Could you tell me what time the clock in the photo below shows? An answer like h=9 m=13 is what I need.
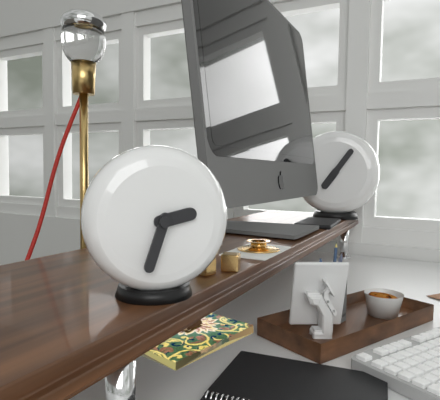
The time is h=2 m=33
